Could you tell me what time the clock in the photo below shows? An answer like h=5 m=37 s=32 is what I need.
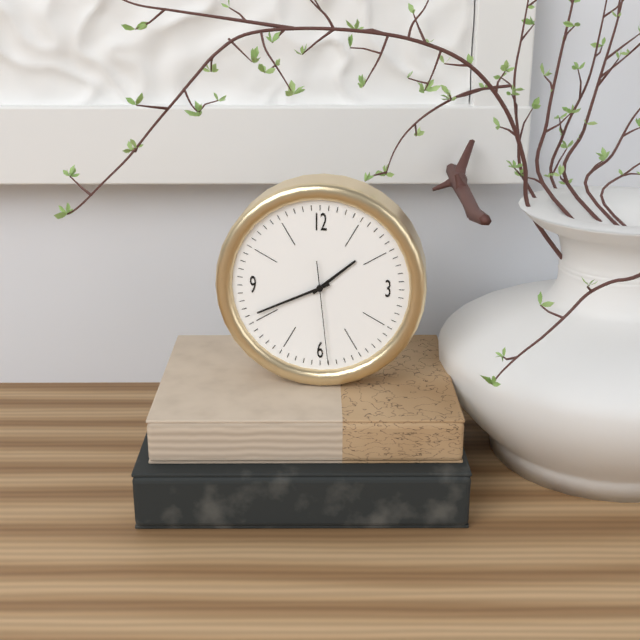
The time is h=1 m=41 s=29
